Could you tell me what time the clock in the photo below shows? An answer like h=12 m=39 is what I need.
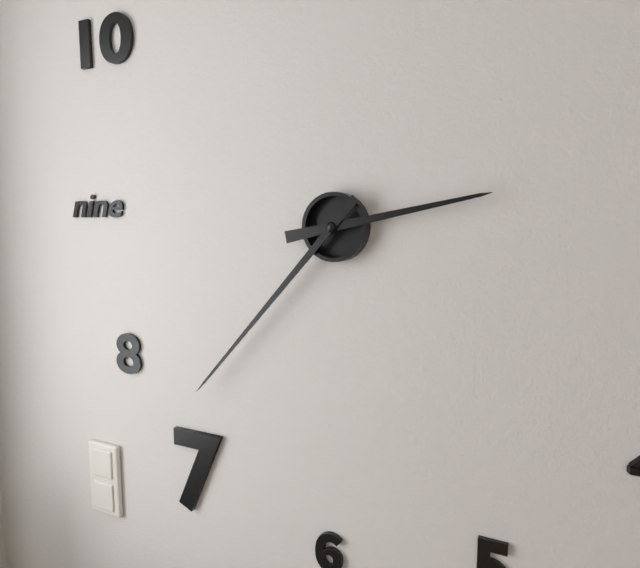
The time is h=2 m=37
